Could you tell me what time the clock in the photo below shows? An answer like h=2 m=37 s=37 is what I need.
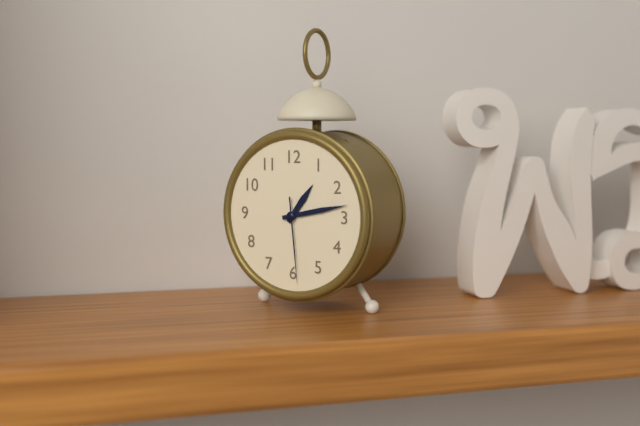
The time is h=1 m=13 s=29
